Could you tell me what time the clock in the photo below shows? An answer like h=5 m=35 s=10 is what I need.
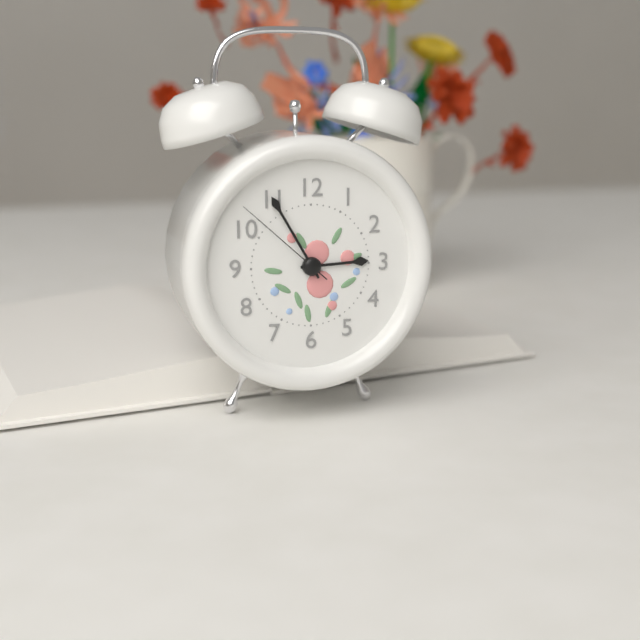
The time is h=2 m=55 s=52
